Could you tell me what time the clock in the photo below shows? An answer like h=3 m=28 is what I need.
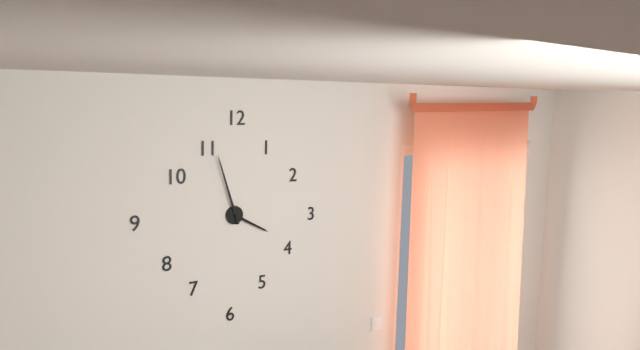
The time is h=3 m=57
